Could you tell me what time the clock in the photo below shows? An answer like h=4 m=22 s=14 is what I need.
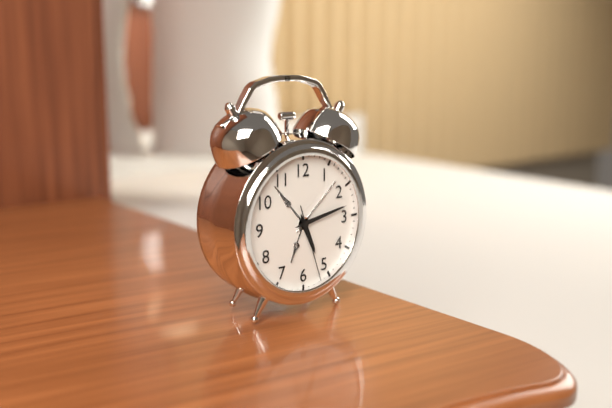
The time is h=5 m=13 s=27
